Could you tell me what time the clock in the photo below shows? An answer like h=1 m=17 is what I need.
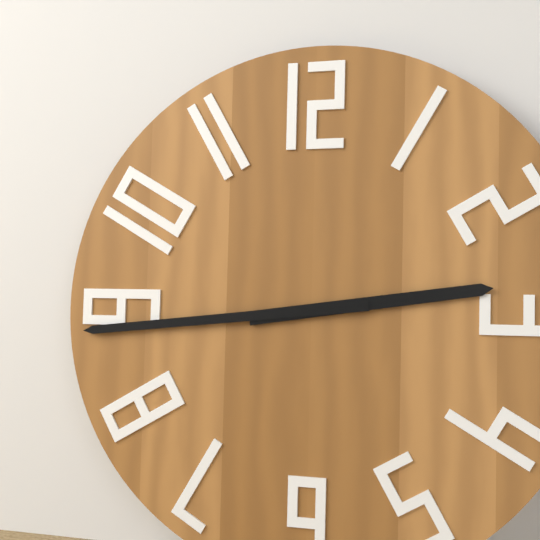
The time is h=2 m=44
